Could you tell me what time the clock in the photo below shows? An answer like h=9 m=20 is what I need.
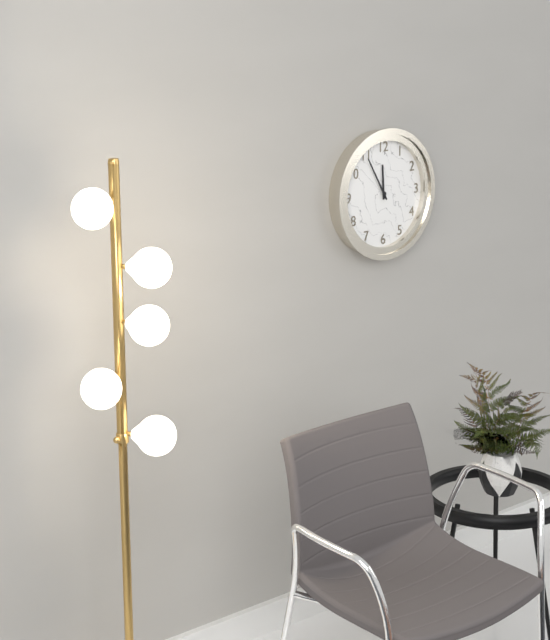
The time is h=11 m=55
